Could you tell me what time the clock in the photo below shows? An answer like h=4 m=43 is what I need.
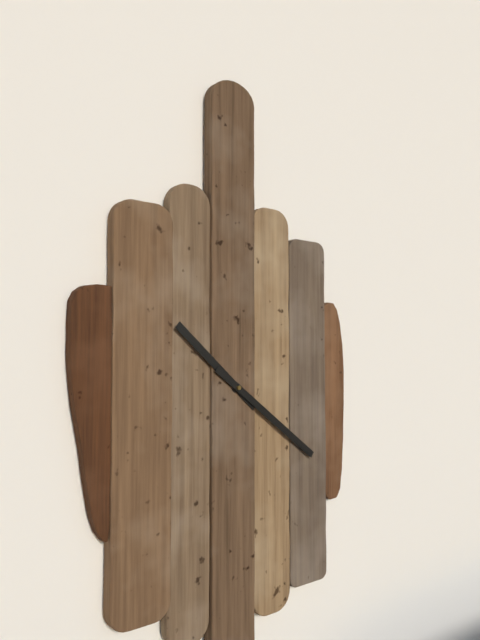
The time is h=10 m=21
